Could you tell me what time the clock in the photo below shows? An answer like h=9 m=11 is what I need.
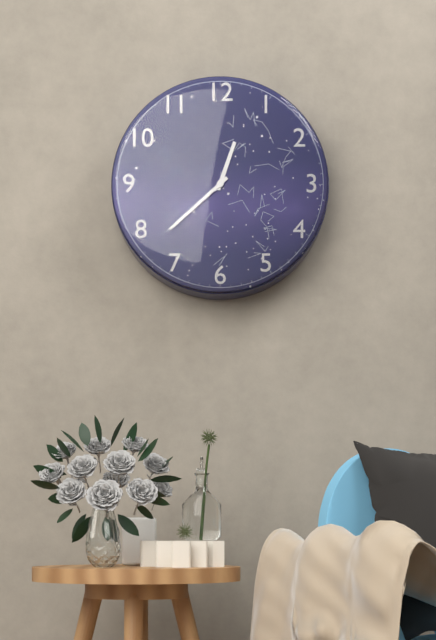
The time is h=12 m=38
